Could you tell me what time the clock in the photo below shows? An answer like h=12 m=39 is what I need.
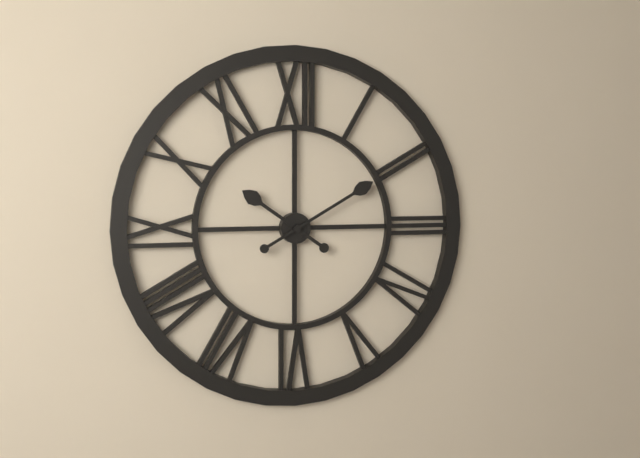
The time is h=10 m=10
